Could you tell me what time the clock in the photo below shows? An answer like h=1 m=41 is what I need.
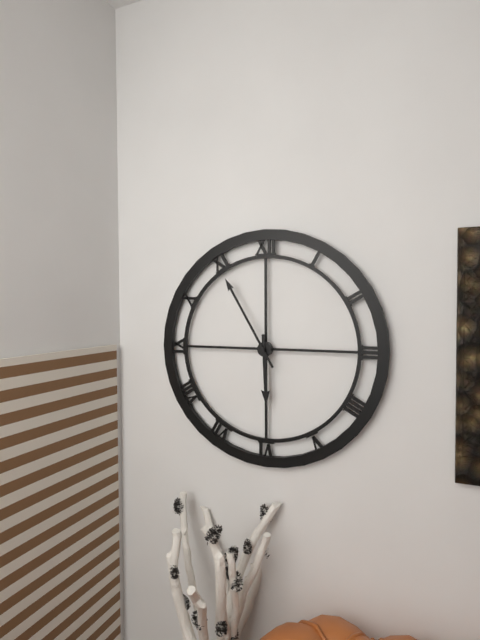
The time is h=5 m=55
